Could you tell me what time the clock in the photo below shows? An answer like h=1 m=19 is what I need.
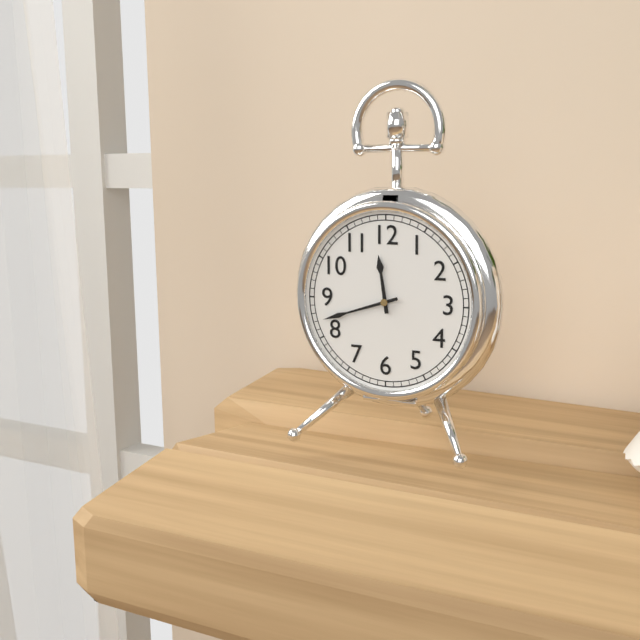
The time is h=11 m=42
